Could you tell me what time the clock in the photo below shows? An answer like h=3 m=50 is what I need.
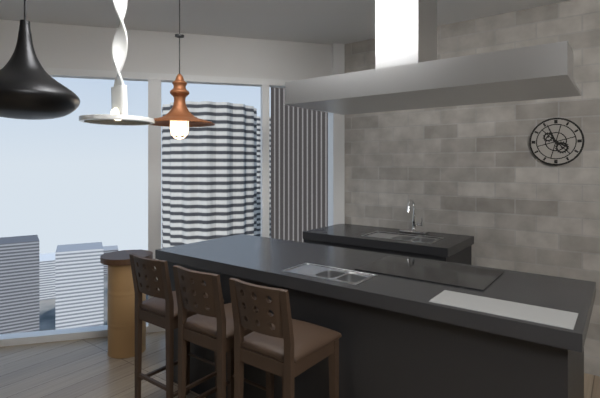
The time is h=3 m=56
